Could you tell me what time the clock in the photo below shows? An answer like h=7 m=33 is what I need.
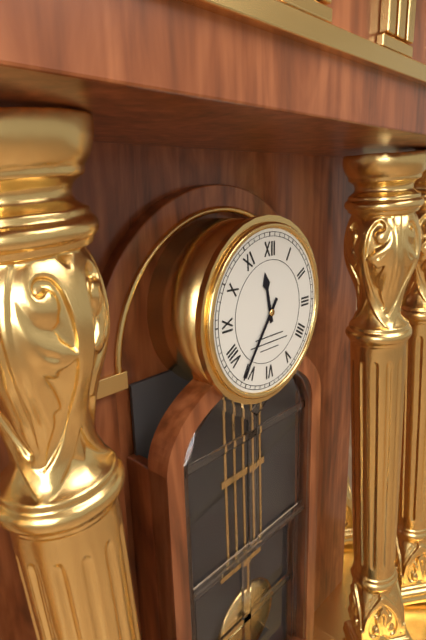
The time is h=11 m=36
